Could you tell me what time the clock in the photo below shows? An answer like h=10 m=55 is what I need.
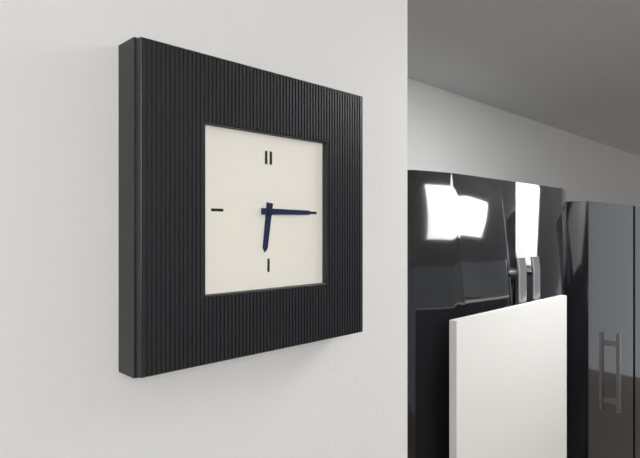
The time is h=6 m=15
